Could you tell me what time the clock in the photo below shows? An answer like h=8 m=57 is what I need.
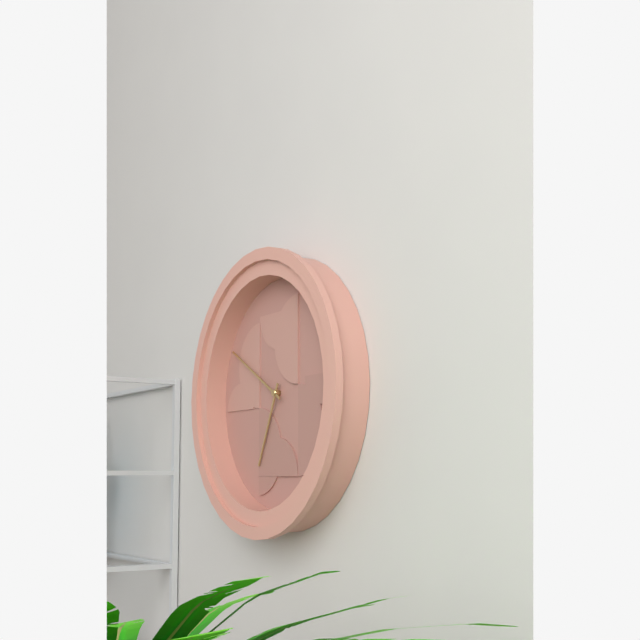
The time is h=6 m=50
